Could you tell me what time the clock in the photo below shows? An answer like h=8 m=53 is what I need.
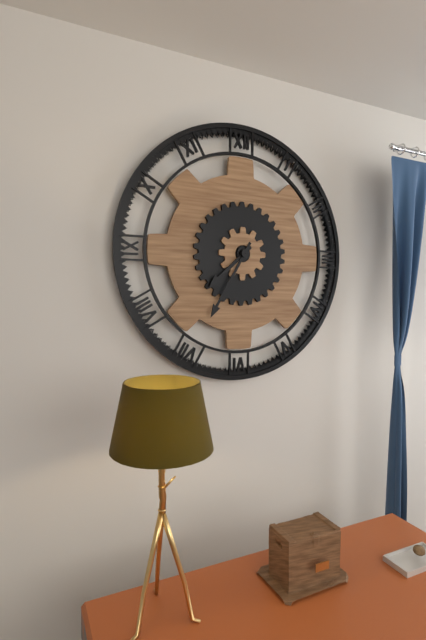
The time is h=7 m=35
